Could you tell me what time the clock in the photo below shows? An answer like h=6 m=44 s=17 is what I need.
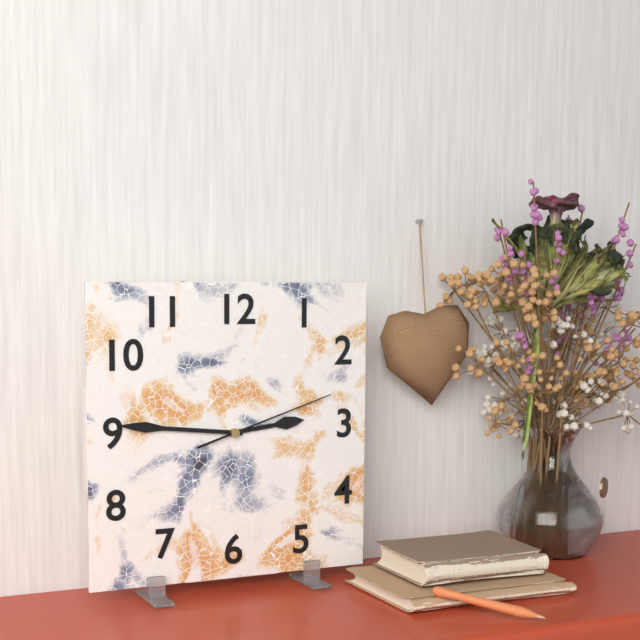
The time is h=2 m=46 s=12
